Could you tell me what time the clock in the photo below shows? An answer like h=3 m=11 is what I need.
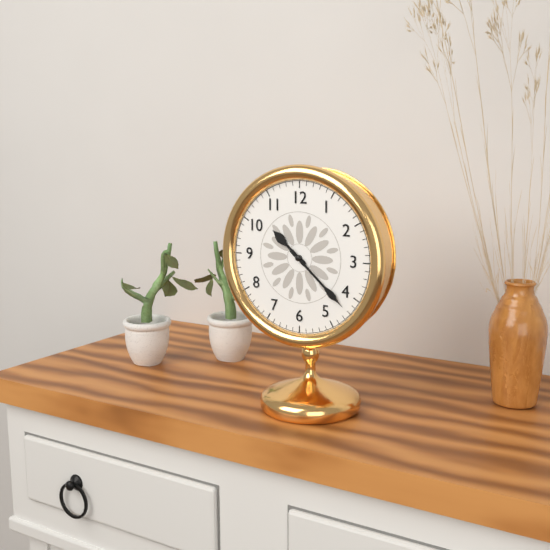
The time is h=10 m=22
